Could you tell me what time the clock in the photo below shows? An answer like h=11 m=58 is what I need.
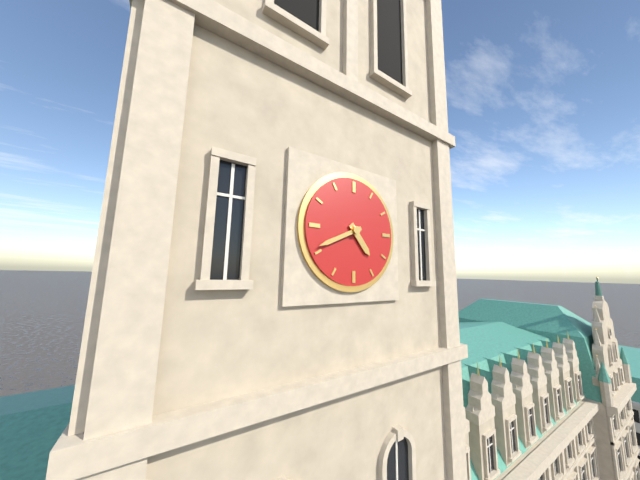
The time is h=4 m=41
